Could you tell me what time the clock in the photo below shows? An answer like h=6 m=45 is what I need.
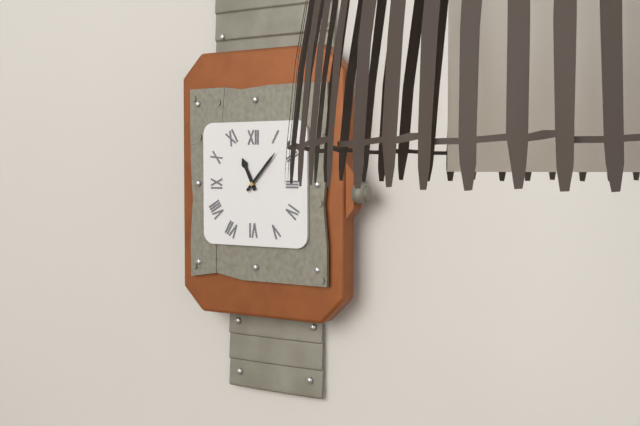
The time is h=11 m=7
